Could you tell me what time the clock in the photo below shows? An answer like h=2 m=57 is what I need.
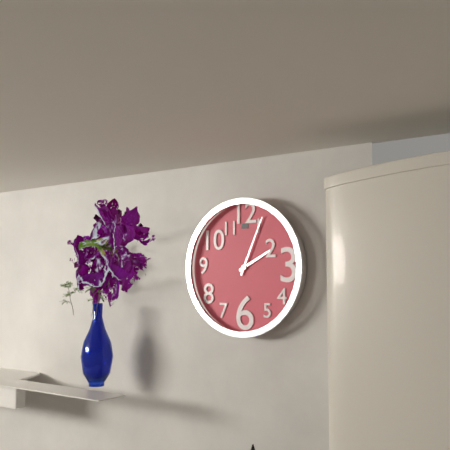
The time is h=2 m=4
